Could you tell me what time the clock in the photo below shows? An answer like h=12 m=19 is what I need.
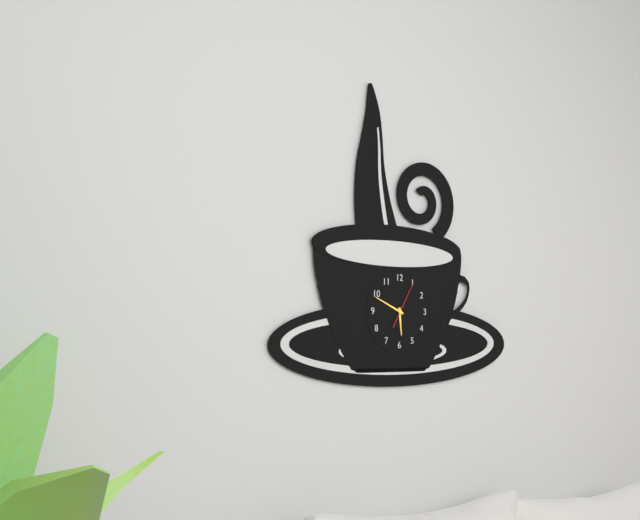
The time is h=5 m=49
